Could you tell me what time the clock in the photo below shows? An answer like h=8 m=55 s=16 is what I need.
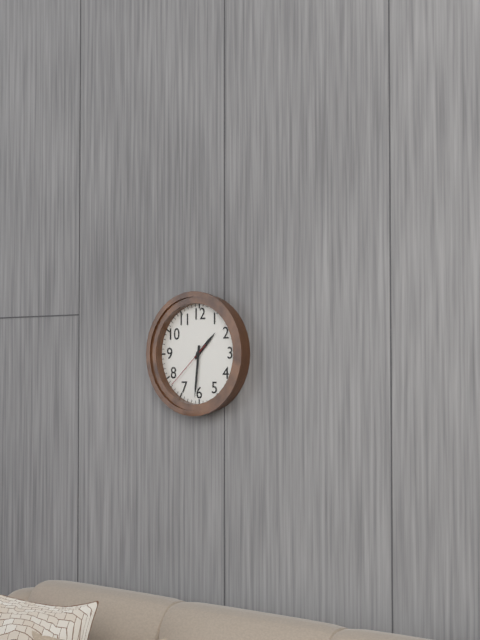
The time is h=1 m=31 s=38
